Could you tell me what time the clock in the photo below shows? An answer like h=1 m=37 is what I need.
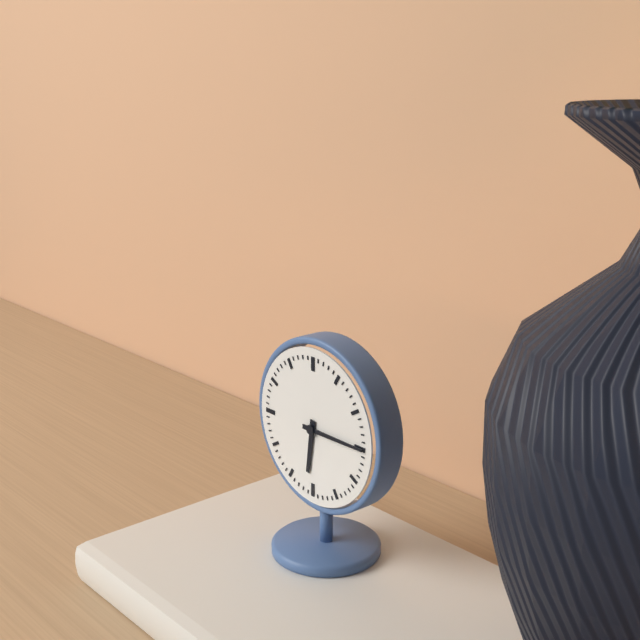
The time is h=6 m=15
